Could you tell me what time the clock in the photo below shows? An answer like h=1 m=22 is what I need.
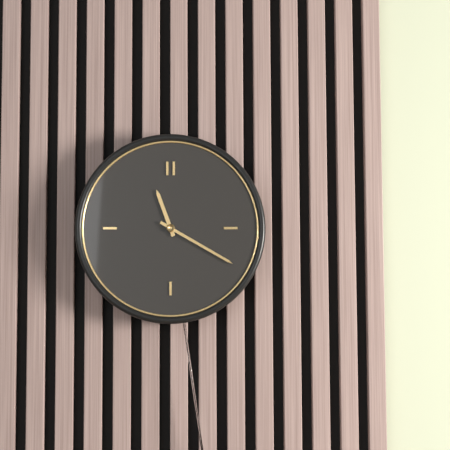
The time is h=11 m=20
